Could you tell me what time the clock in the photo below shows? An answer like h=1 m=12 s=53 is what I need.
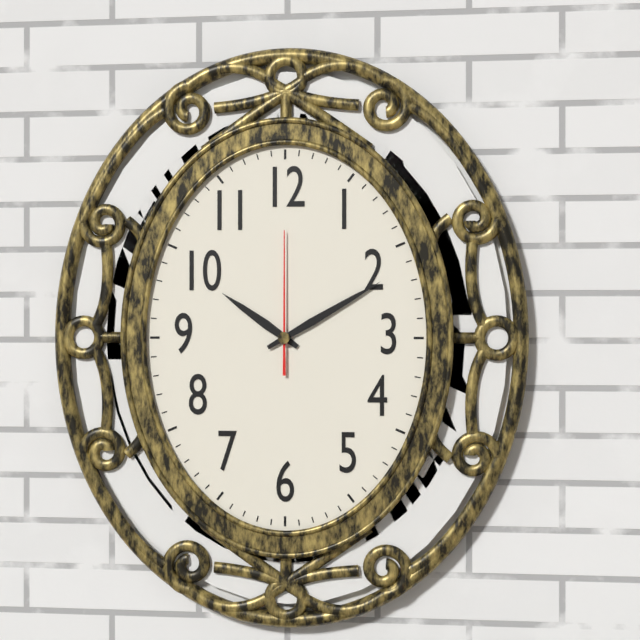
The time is h=10 m=10 s=0
